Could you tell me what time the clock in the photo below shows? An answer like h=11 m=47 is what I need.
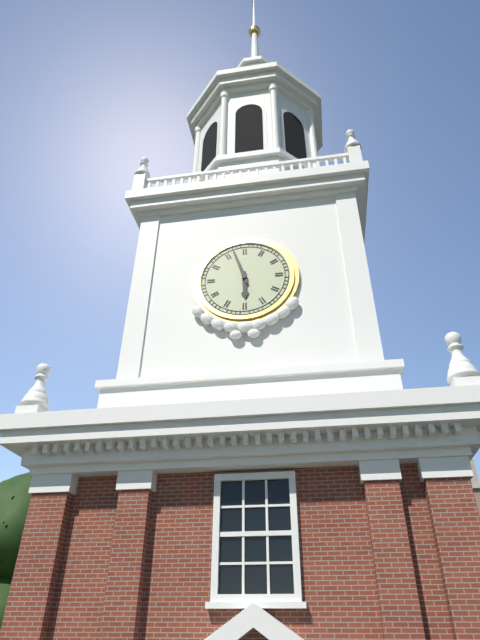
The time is h=5 m=57
